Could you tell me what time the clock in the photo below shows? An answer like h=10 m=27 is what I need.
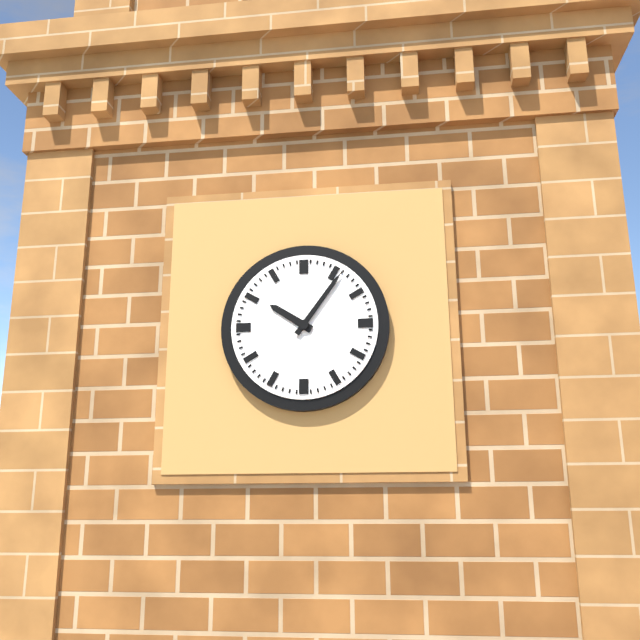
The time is h=10 m=6
